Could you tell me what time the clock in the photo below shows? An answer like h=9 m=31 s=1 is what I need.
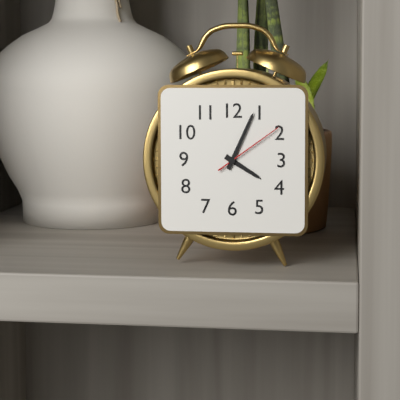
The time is h=4 m=4 s=9
